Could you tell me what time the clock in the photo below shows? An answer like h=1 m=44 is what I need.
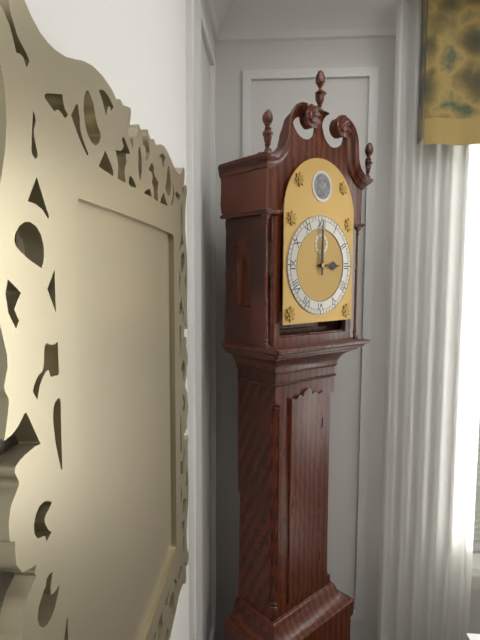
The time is h=3 m=0
